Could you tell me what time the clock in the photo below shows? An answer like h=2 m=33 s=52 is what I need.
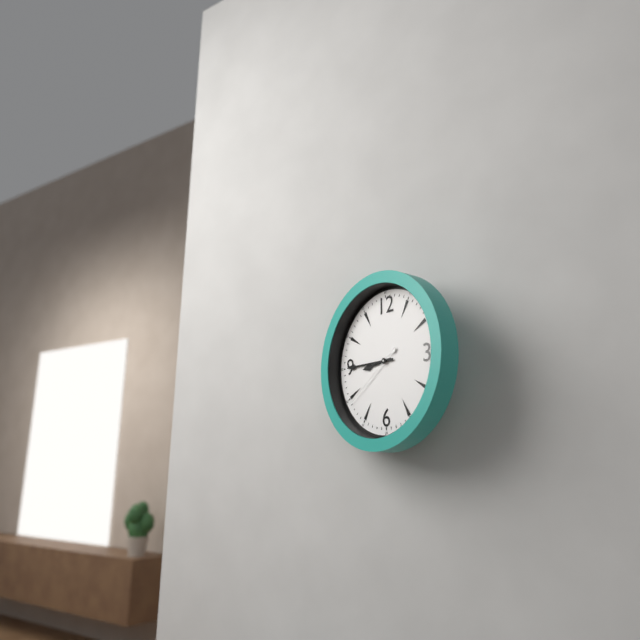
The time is h=8 m=45 s=39
